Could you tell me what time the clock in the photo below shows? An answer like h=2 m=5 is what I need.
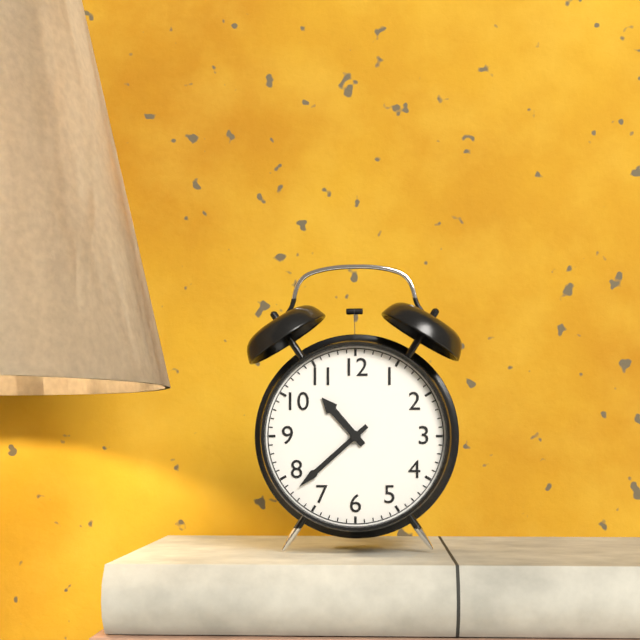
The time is h=10 m=38
